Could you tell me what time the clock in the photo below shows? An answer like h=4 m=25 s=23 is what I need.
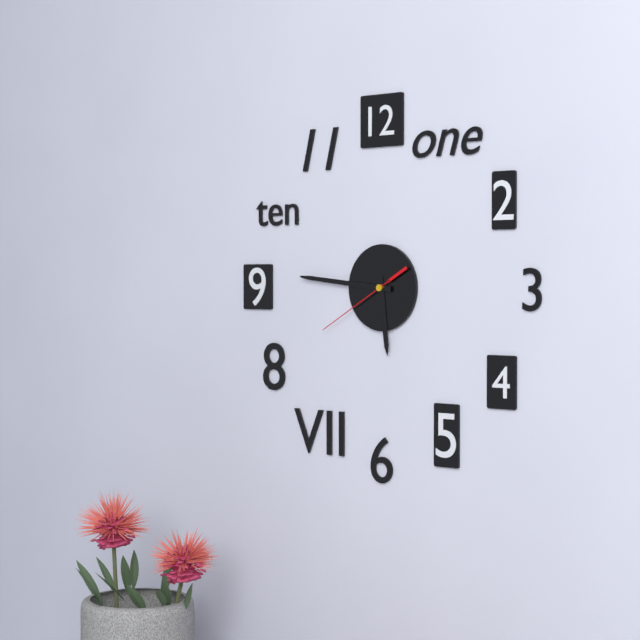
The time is h=5 m=46 s=40
